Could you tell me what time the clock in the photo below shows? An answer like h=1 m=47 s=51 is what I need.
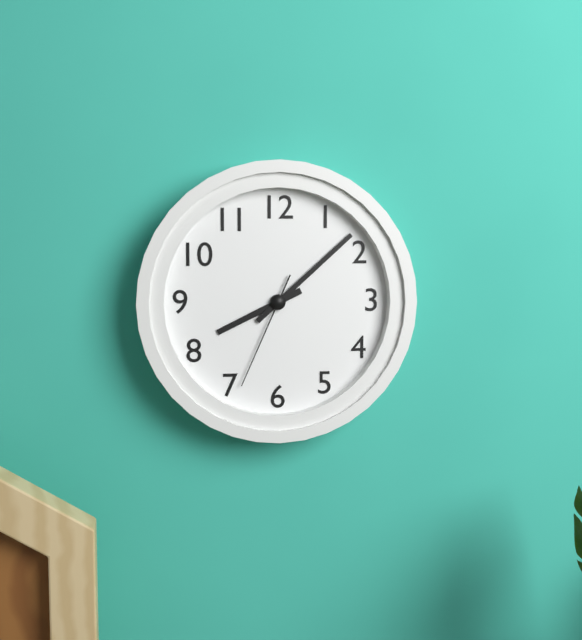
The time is h=8 m=8 s=34
